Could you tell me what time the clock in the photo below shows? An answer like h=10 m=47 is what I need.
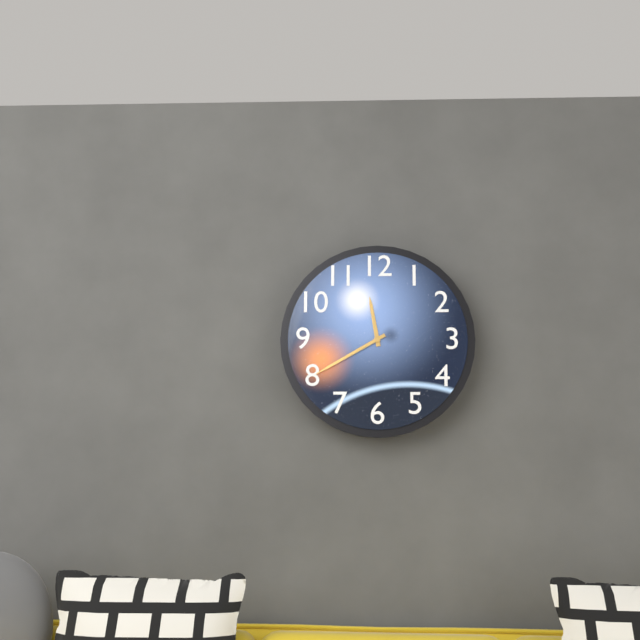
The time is h=11 m=40
